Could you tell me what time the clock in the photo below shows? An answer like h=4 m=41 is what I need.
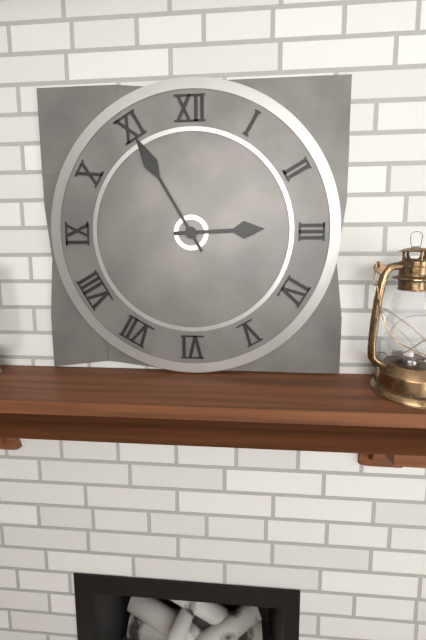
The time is h=2 m=55
